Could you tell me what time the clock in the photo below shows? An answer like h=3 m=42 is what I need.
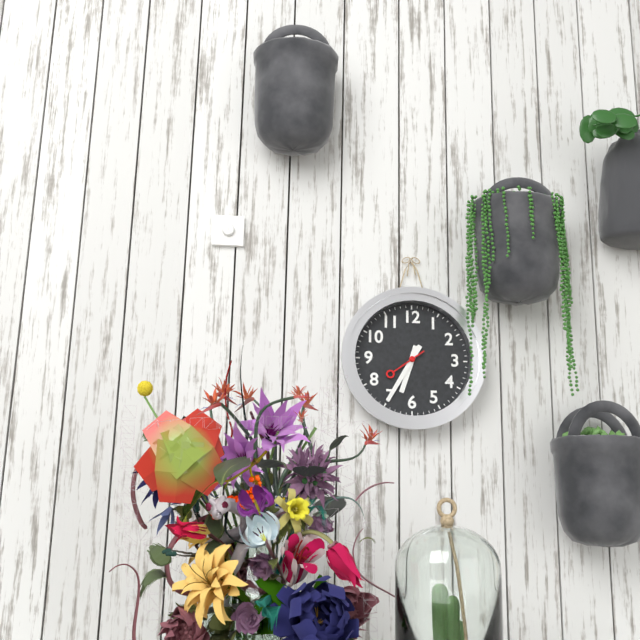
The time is h=6 m=35
